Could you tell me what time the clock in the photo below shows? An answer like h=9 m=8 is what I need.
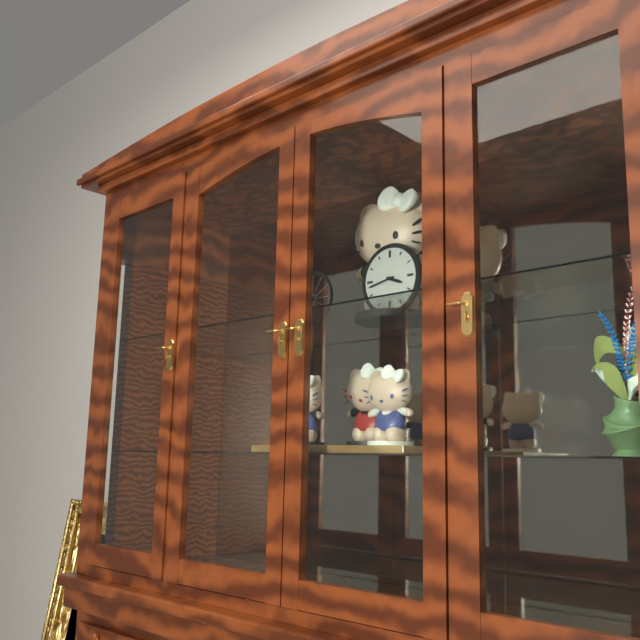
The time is h=3 m=43
